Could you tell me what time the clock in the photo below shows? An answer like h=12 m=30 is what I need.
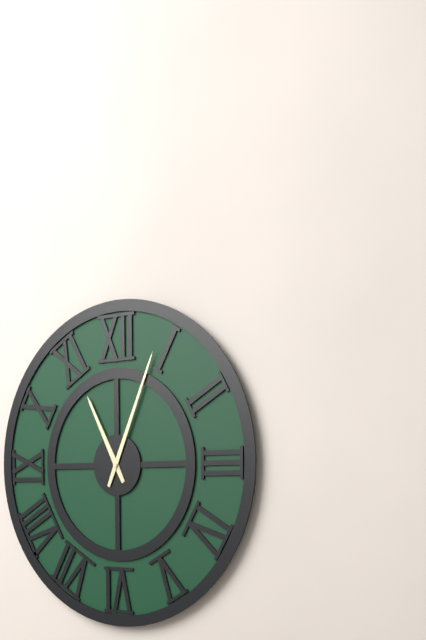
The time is h=11 m=4
